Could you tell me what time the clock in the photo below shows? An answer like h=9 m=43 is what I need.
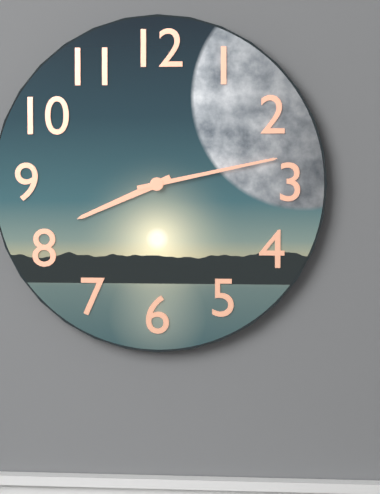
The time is h=8 m=13
